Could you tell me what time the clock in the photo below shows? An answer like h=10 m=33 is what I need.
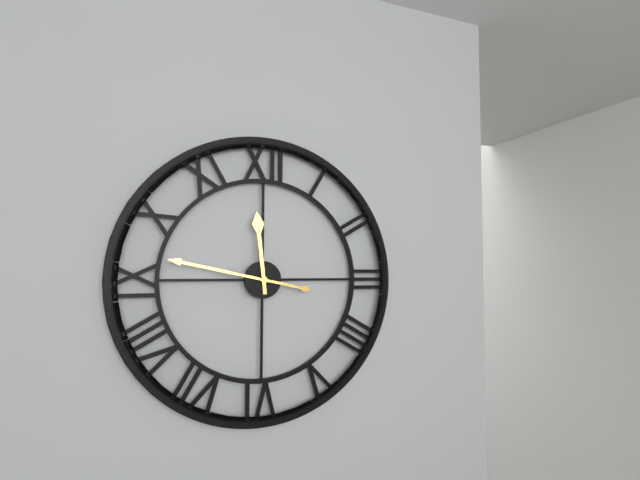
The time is h=11 m=47
